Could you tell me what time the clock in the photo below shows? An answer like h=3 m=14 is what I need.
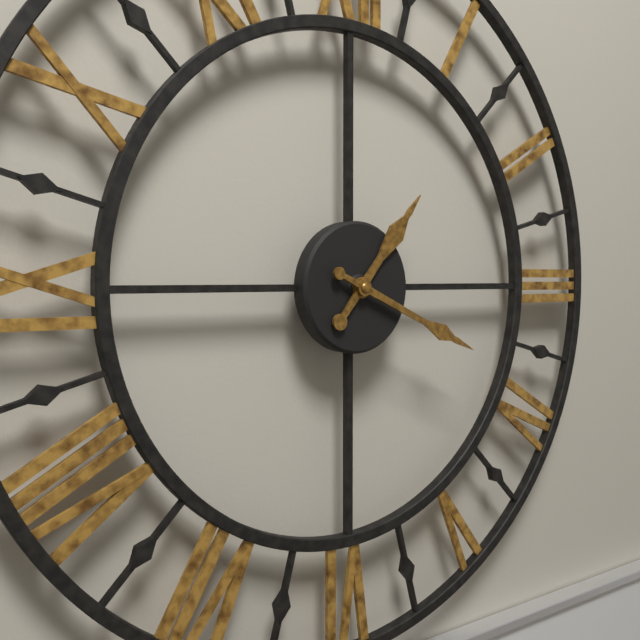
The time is h=1 m=19
